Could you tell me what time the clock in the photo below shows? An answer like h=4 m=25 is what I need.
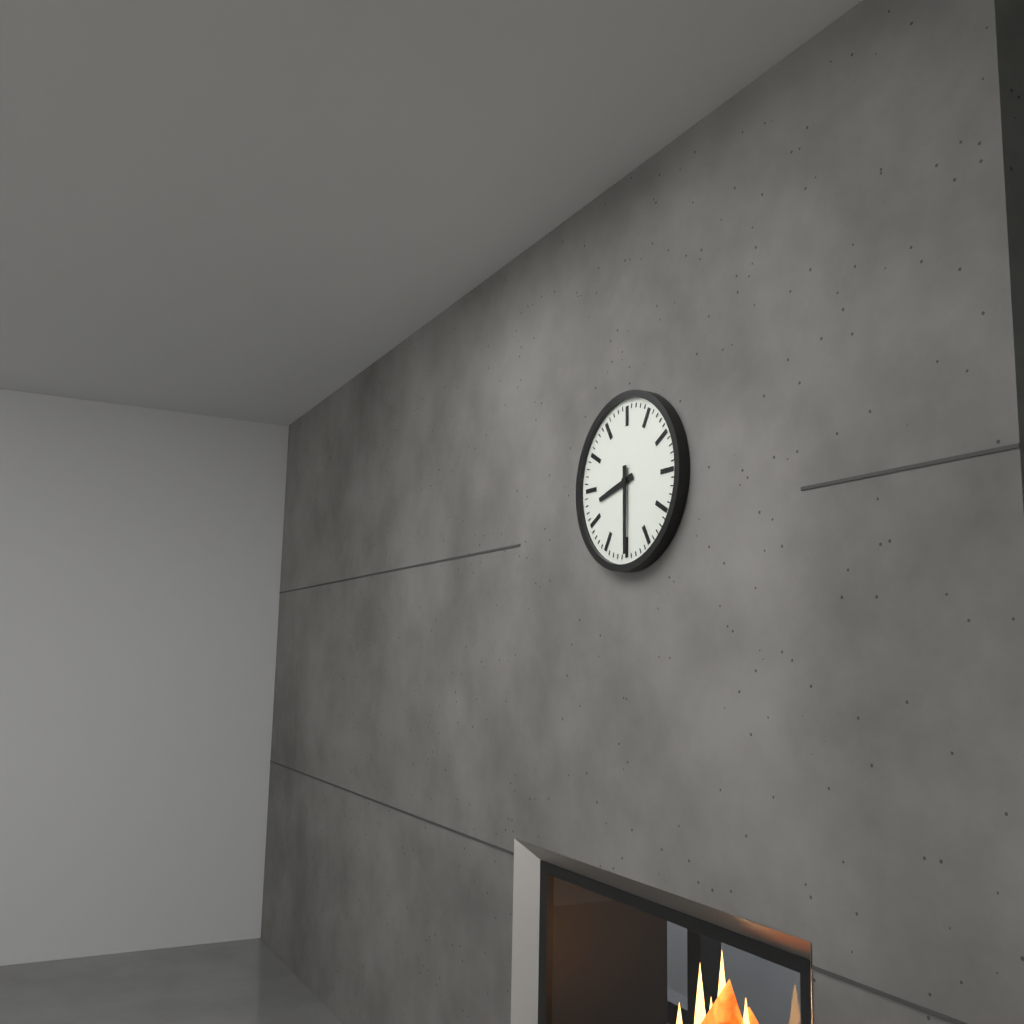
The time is h=8 m=30
